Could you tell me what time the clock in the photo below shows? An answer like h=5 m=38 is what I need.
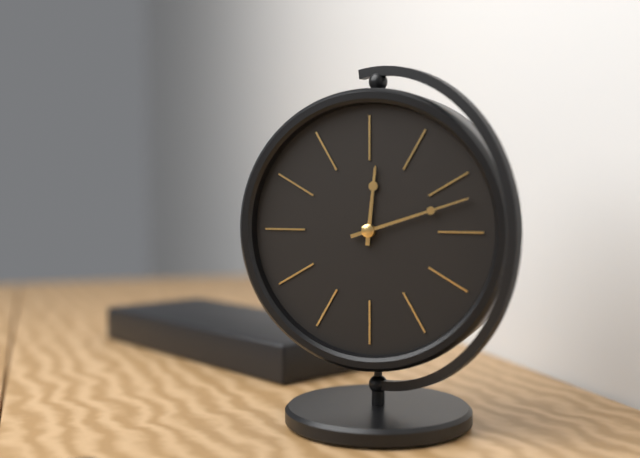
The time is h=12 m=12
